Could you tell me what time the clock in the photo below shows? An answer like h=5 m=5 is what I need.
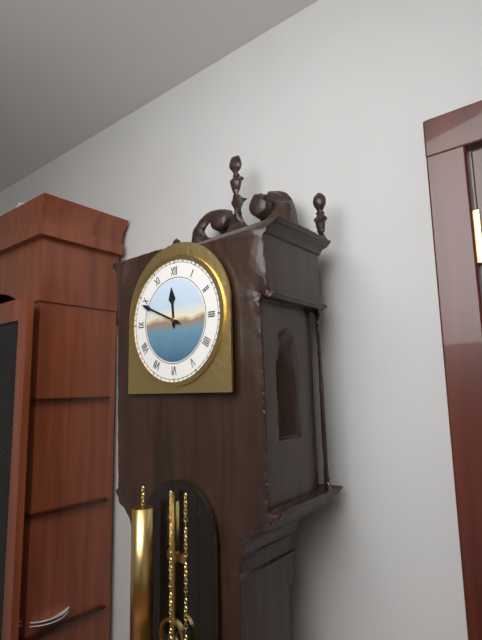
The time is h=11 m=49
